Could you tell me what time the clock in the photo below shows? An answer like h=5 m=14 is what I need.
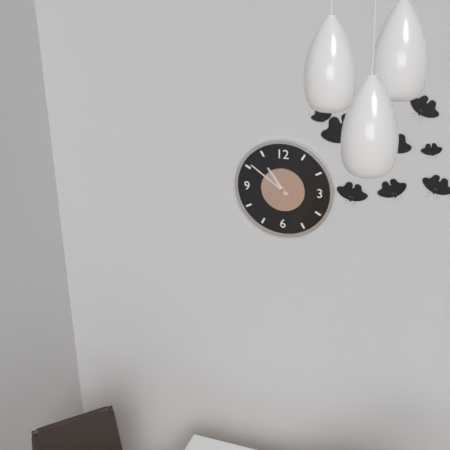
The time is h=10 m=51
